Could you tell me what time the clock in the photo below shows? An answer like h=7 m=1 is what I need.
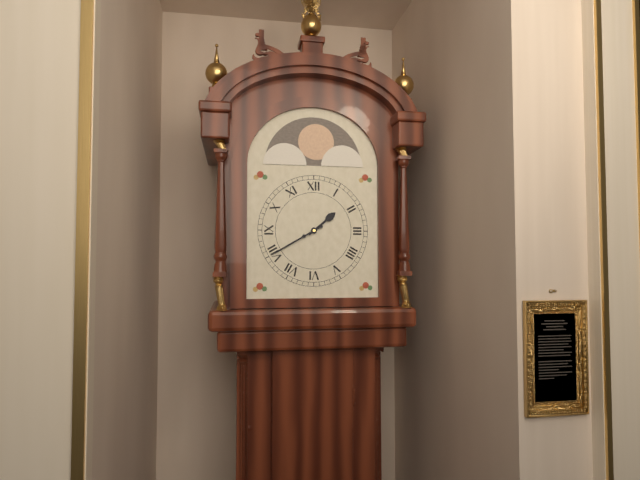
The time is h=1 m=40
